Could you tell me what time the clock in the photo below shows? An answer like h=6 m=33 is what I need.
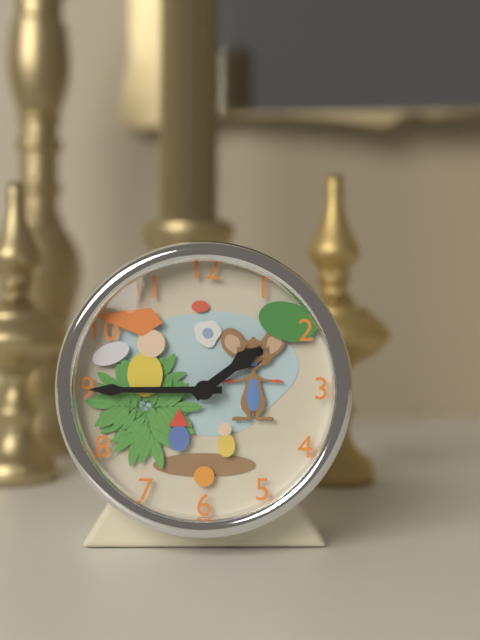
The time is h=1 m=45
